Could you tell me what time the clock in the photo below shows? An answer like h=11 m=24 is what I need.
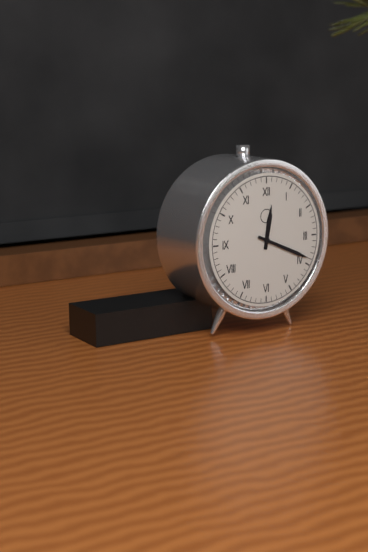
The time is h=12 m=19
